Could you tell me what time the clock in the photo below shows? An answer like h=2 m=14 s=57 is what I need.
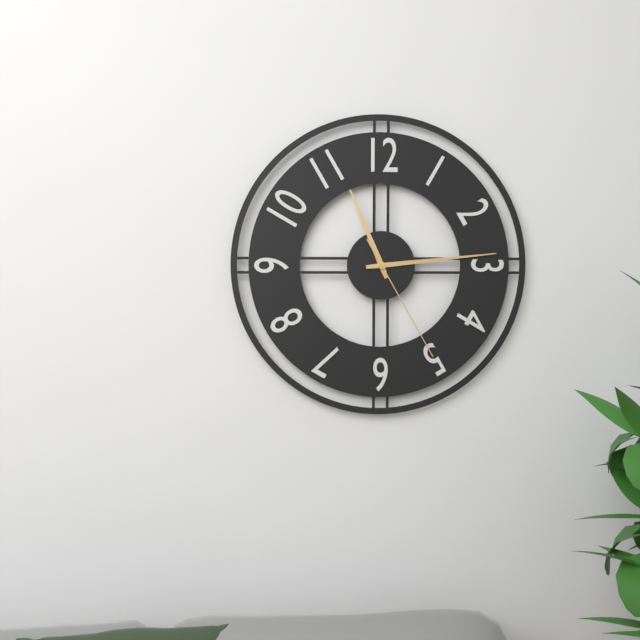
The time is h=11 m=14 s=25
